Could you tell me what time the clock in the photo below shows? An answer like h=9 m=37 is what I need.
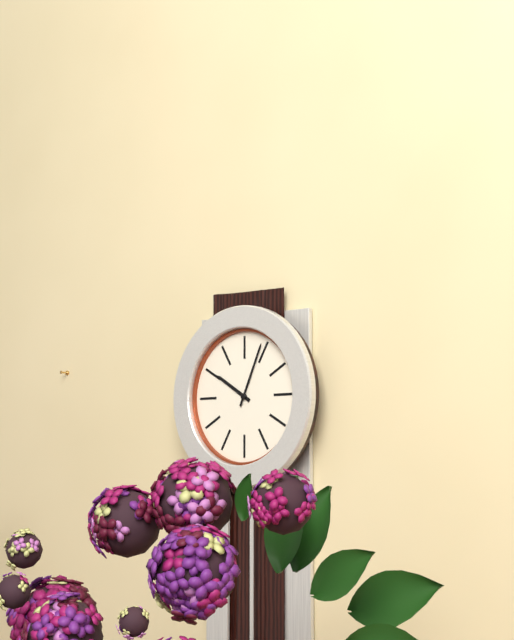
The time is h=10 m=4
